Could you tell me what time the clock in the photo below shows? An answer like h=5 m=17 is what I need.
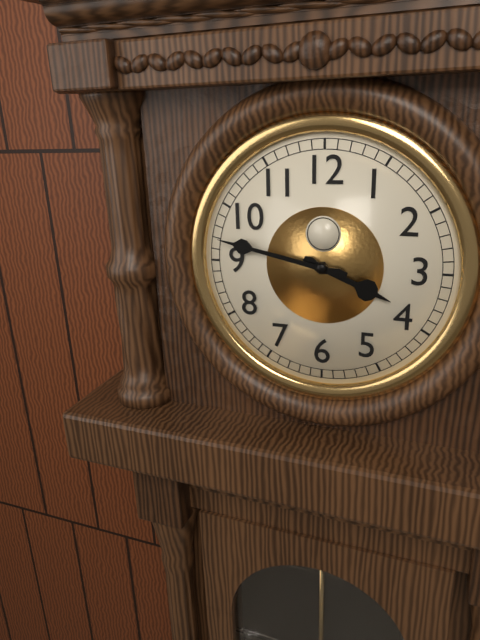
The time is h=3 m=47
